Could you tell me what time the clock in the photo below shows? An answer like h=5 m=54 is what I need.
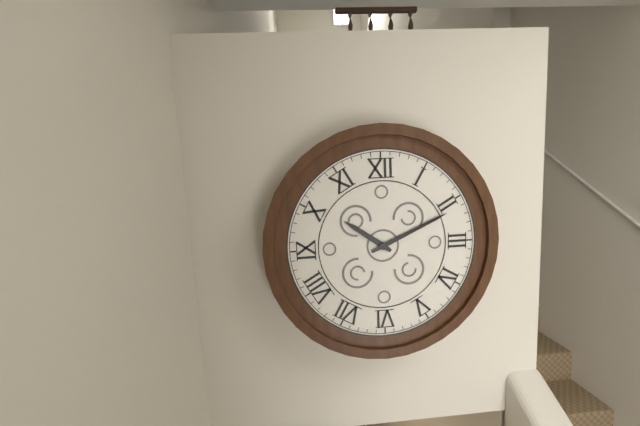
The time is h=10 m=11
